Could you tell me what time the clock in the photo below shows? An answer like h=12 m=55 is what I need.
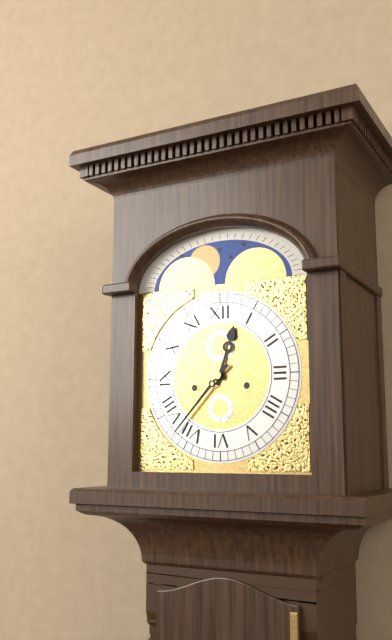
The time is h=12 m=37
